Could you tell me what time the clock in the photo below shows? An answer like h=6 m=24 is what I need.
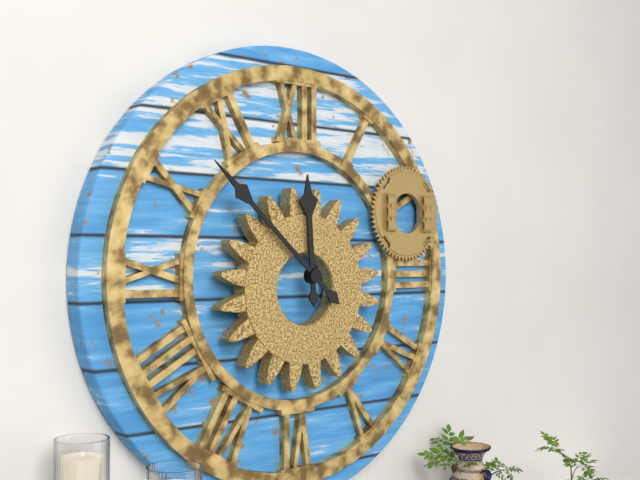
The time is h=11 m=52
